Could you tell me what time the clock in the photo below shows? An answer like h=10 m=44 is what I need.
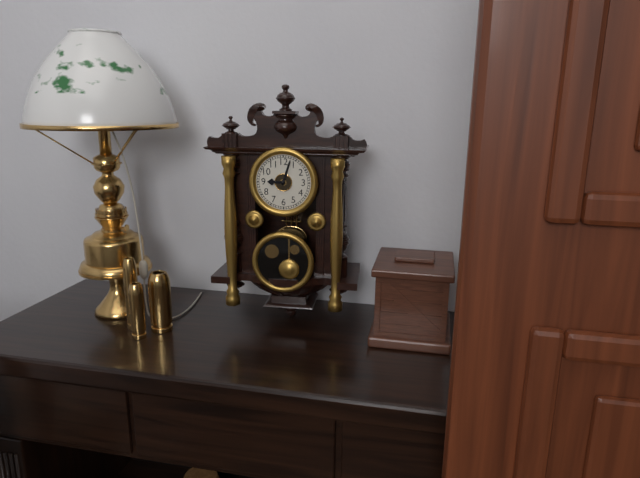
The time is h=9 m=3
